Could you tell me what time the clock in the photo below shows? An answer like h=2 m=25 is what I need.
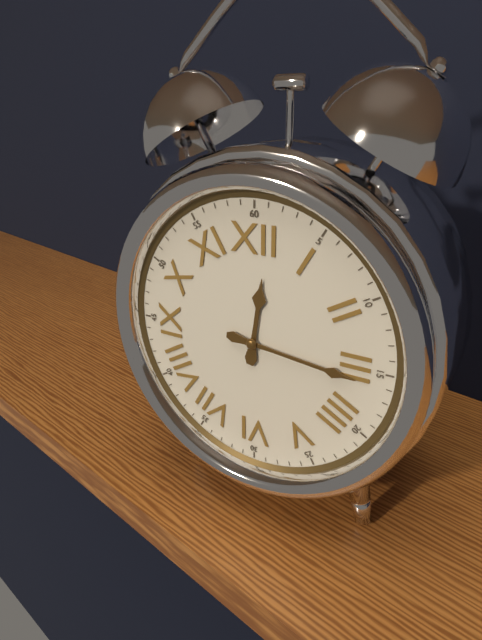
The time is h=12 m=16
